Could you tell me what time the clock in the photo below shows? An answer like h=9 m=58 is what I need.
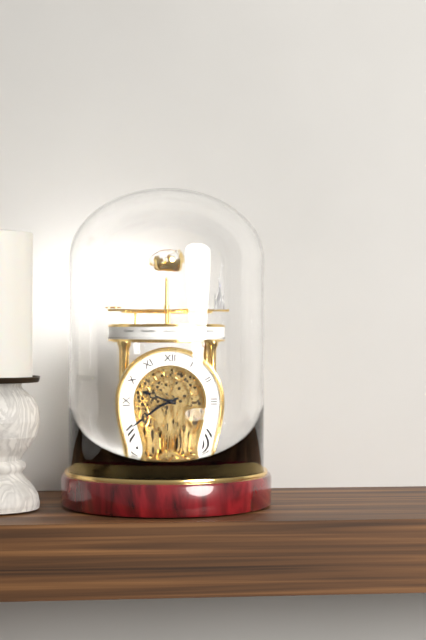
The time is h=9 m=41
